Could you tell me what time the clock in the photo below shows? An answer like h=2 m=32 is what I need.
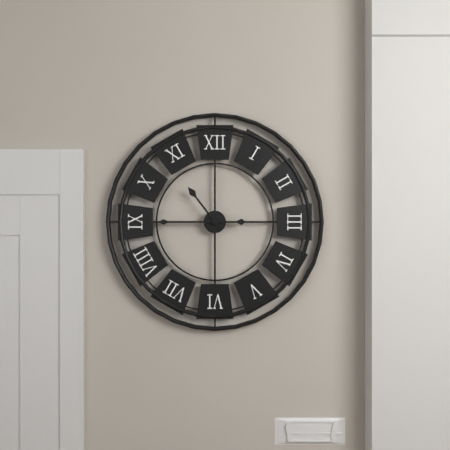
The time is h=10 m=45
